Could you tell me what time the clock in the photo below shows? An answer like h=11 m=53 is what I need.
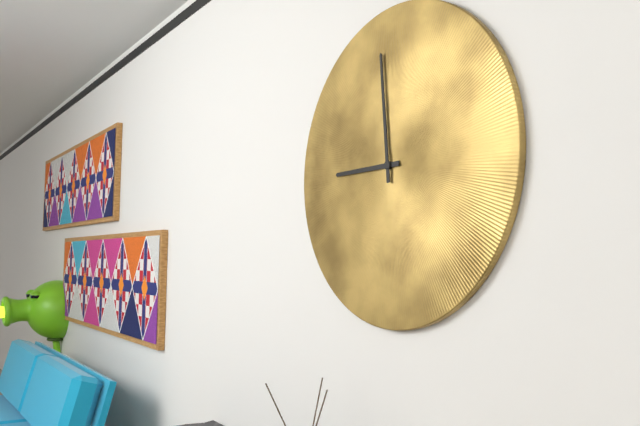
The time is h=8 m=59
